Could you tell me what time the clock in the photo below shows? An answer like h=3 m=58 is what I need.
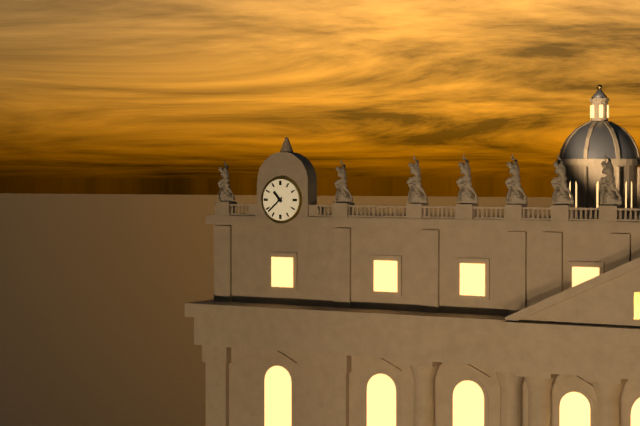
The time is h=10 m=38
